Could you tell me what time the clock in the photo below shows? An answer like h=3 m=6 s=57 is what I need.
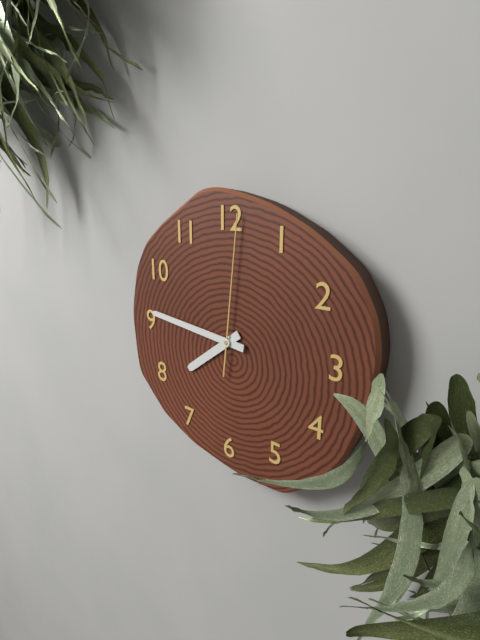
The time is h=7 m=46 s=1
